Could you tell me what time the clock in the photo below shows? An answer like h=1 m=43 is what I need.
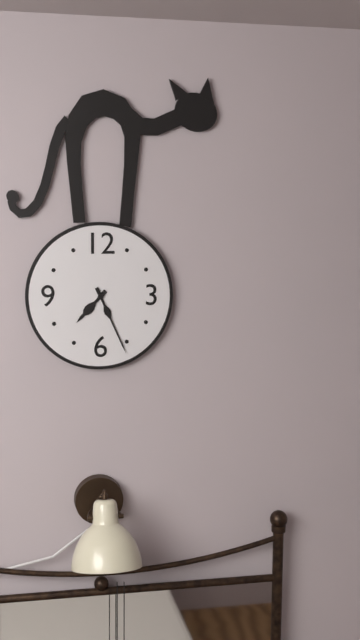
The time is h=7 m=26
